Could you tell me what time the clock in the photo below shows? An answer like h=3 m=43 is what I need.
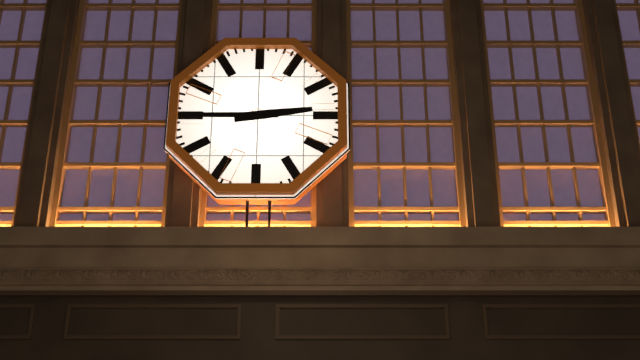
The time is h=2 m=45
